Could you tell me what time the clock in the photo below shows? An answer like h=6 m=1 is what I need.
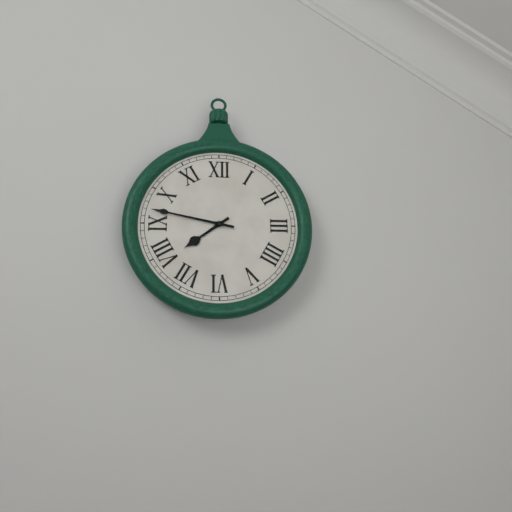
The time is h=7 m=47
